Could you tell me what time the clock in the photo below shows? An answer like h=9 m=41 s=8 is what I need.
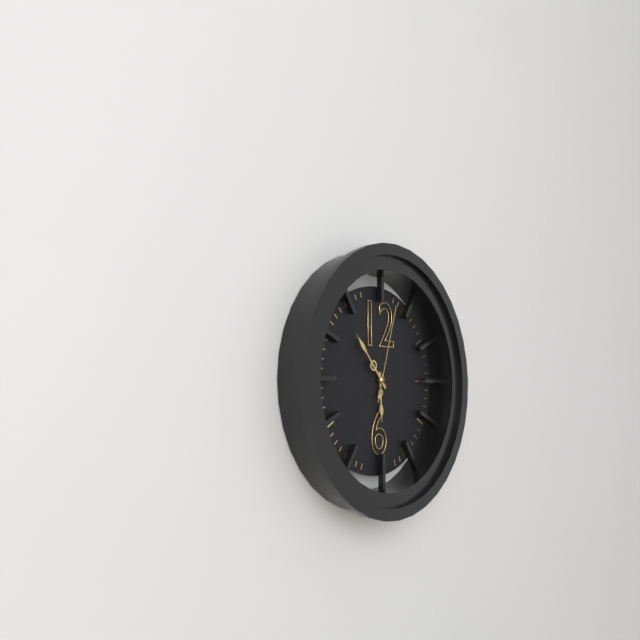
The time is h=5 m=53 s=3
